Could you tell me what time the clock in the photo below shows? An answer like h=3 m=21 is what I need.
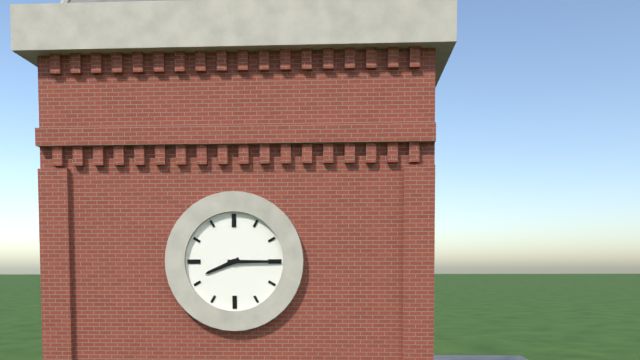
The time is h=8 m=15
